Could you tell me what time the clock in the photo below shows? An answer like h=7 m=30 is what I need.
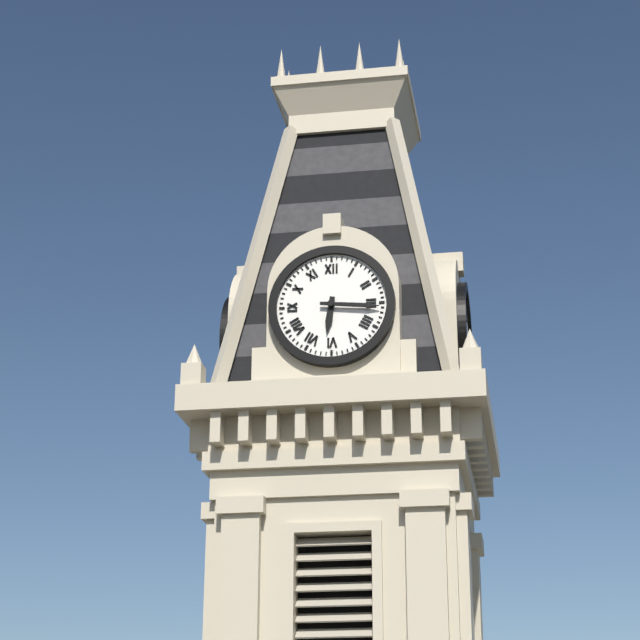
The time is h=6 m=16
